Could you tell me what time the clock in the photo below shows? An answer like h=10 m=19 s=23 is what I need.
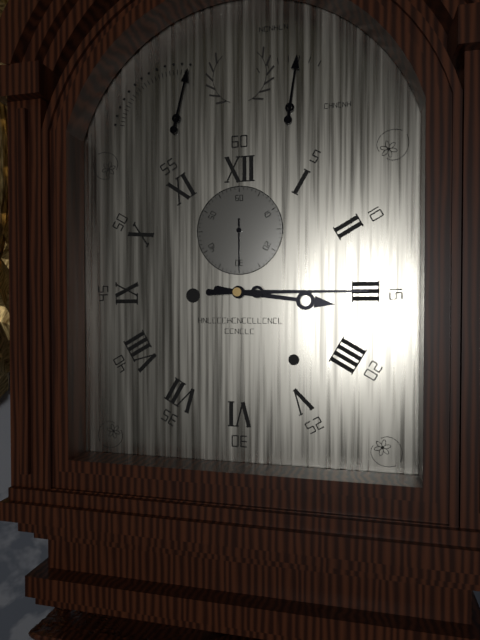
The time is h=3 m=15 s=30
